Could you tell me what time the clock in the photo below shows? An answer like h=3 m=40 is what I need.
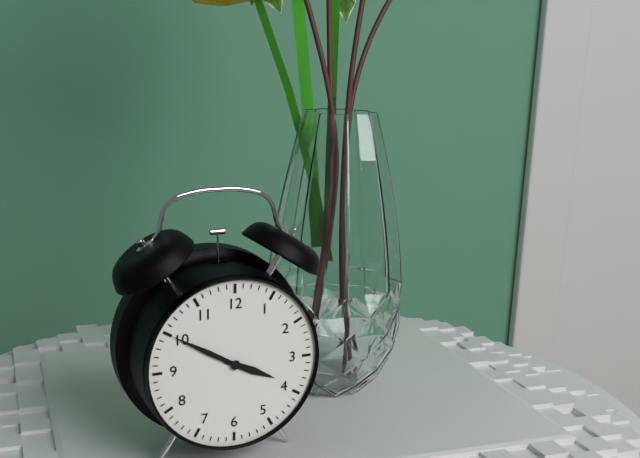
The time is h=3 m=50
